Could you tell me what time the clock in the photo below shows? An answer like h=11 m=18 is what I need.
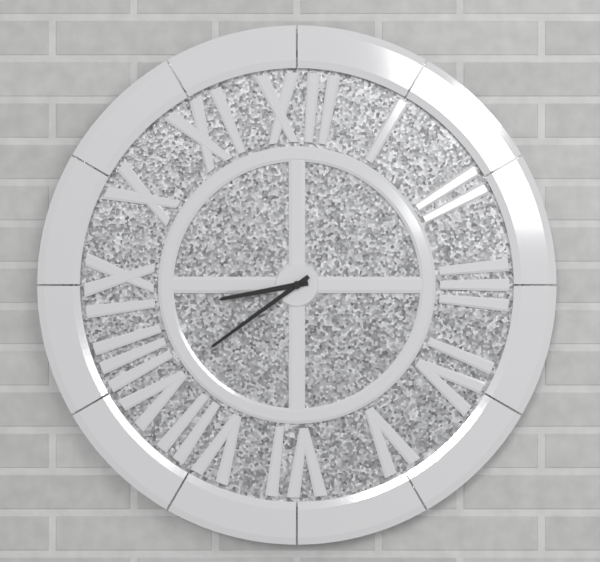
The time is h=8 m=39
